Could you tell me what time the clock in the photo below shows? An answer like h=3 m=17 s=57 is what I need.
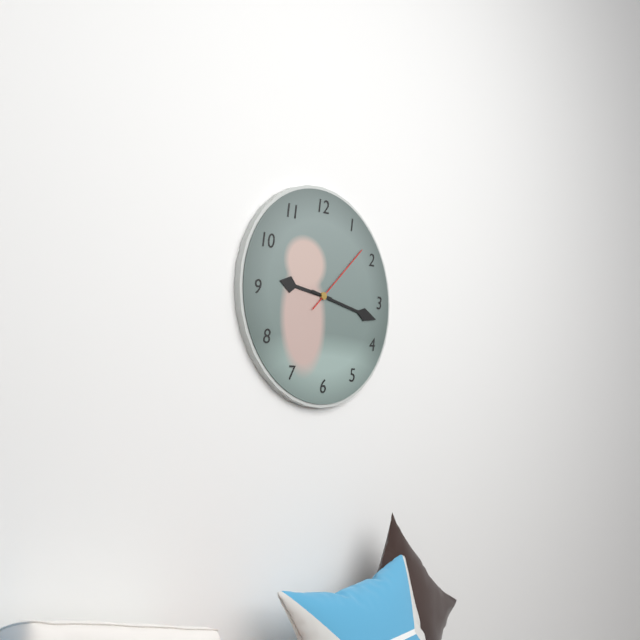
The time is h=9 m=17 s=8
